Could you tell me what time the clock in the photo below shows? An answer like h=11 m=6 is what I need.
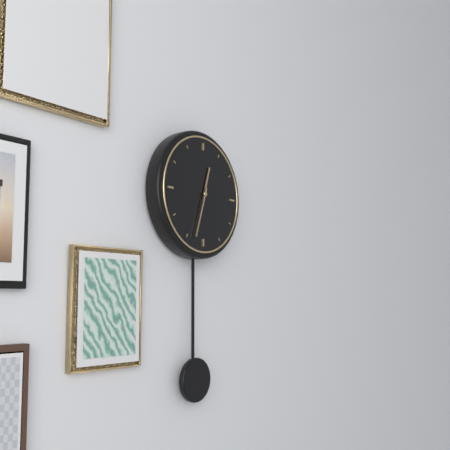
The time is h=12 m=33
